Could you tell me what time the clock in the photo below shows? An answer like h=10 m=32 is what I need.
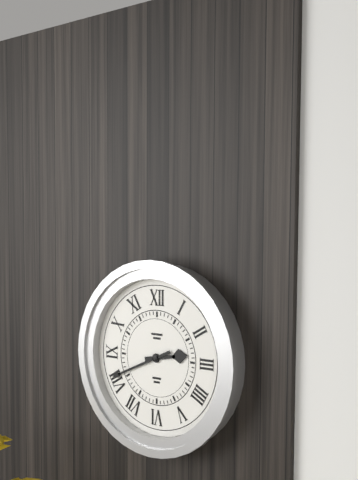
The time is h=2 m=41
